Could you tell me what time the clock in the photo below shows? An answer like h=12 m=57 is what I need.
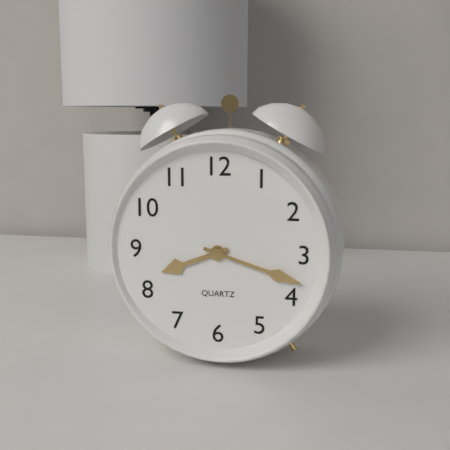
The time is h=8 m=18
